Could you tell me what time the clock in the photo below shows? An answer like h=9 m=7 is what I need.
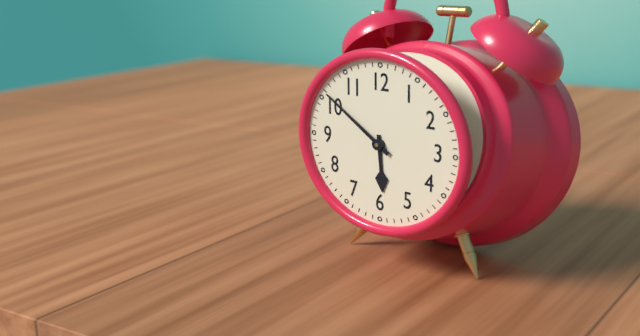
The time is h=5 m=51
